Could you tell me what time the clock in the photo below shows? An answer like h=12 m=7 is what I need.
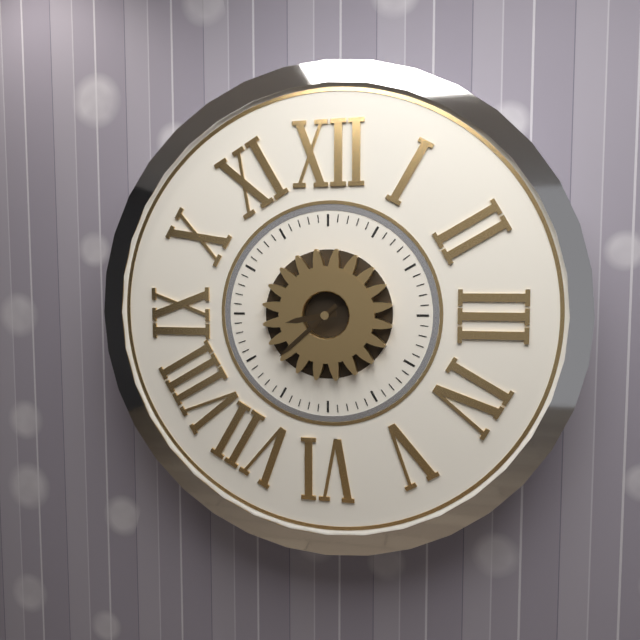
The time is h=8 m=38
